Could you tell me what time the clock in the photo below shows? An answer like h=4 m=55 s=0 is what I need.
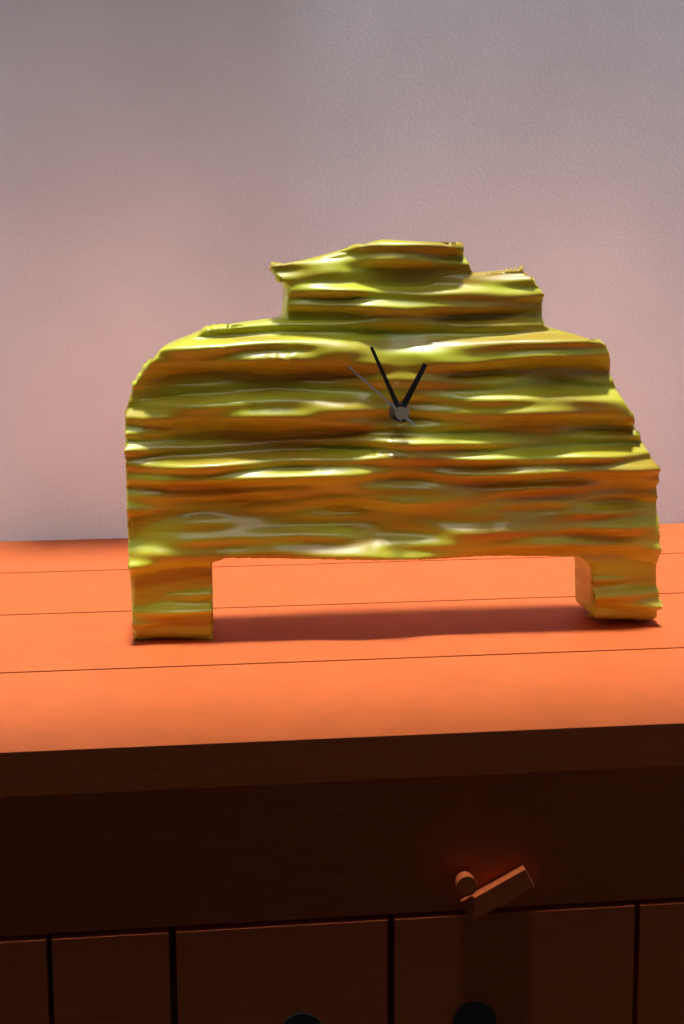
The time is h=12 m=56 s=52
